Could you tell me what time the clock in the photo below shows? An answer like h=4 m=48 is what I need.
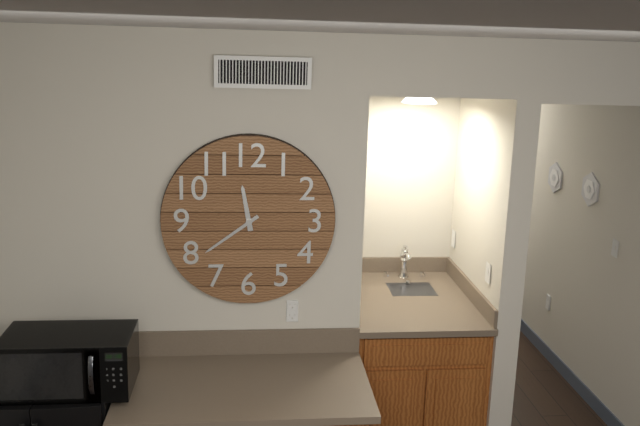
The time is h=11 m=39
